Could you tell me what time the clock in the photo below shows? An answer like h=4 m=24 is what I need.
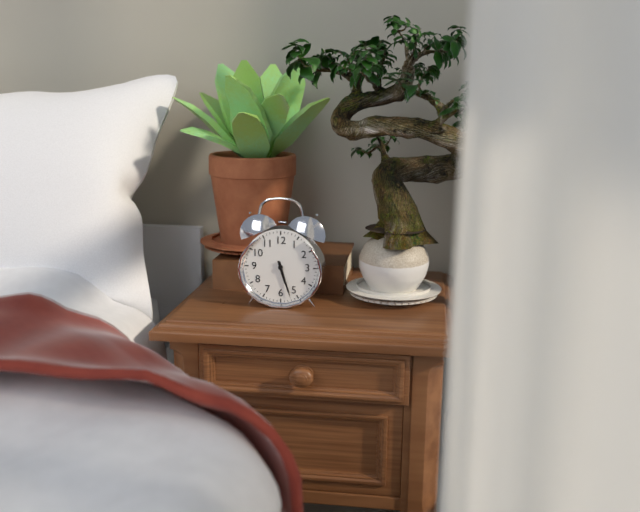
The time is h=5 m=27
